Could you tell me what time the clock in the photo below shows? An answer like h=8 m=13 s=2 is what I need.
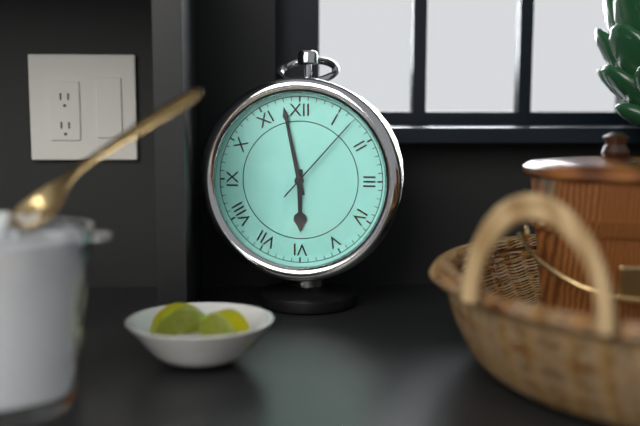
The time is h=5 m=58 s=7
